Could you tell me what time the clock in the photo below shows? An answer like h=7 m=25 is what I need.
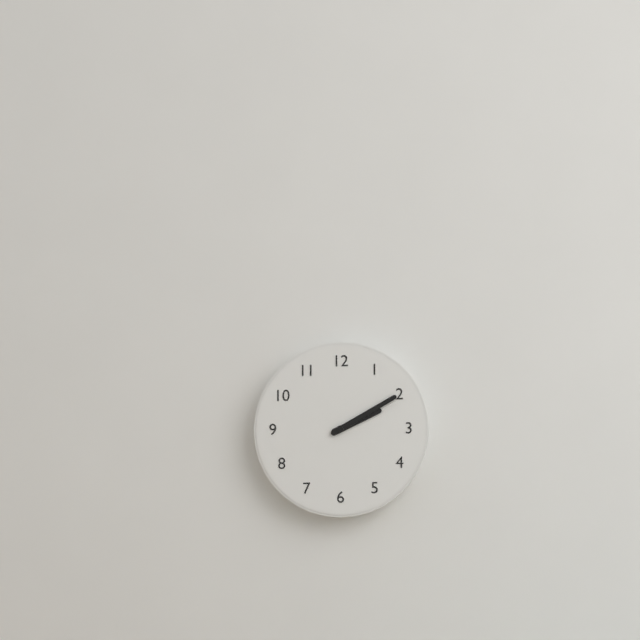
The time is h=2 m=10
